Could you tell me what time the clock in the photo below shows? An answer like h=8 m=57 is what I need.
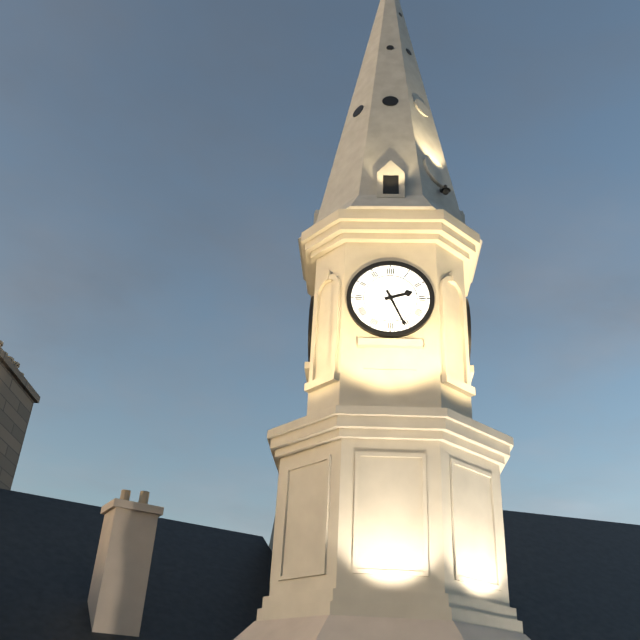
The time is h=2 m=26
